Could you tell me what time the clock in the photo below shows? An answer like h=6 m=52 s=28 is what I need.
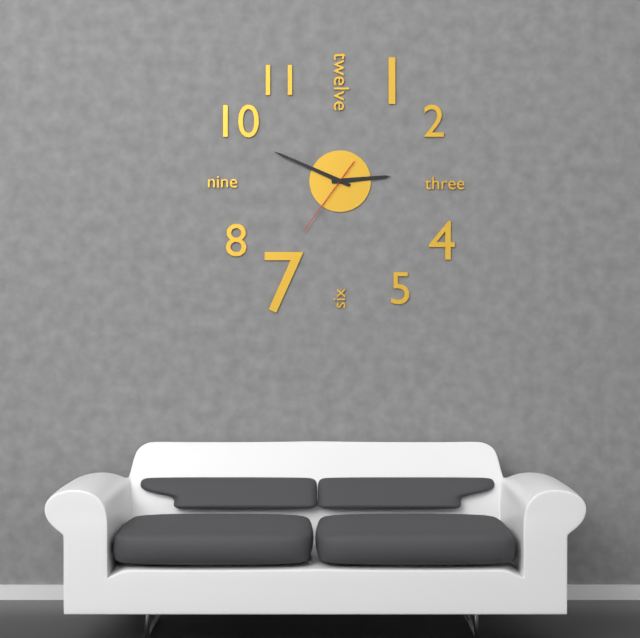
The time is h=2 m=49 s=36
